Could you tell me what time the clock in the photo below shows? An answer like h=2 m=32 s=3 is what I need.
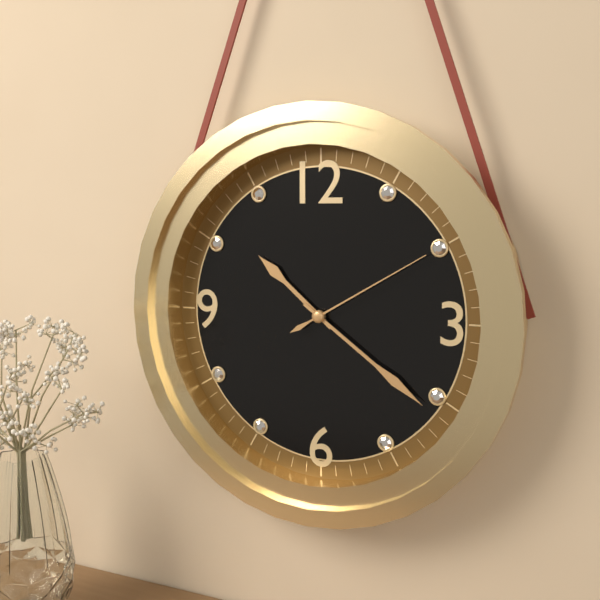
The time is h=10 m=21 s=10
